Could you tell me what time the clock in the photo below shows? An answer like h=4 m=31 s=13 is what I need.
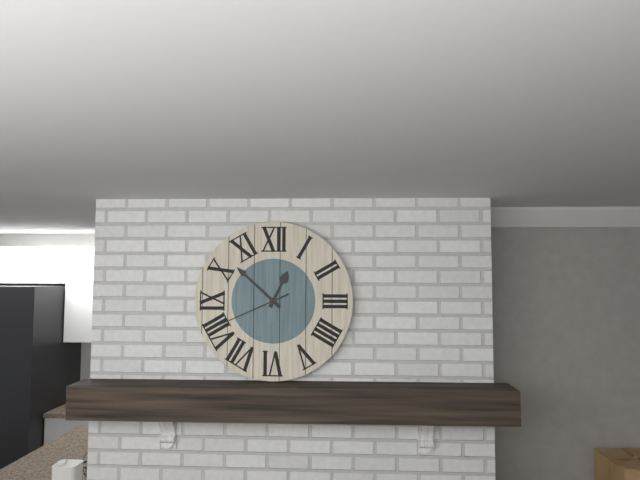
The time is h=12 m=52 s=41
